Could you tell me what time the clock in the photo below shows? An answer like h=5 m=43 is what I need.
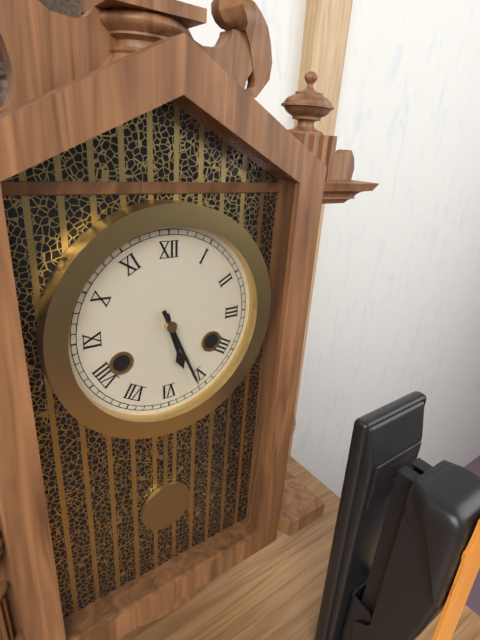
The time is h=5 m=26
